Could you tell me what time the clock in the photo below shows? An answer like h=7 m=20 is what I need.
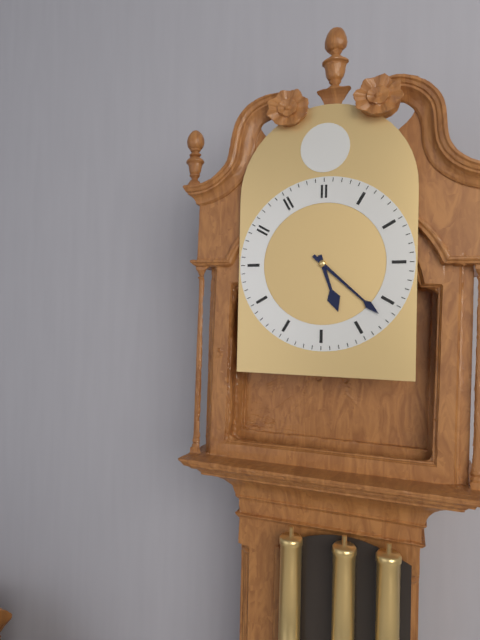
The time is h=5 m=22
